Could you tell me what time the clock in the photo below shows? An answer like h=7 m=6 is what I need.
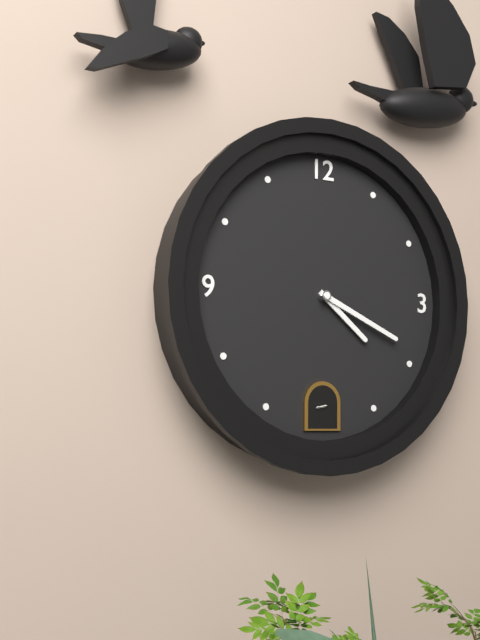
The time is h=4 m=19
